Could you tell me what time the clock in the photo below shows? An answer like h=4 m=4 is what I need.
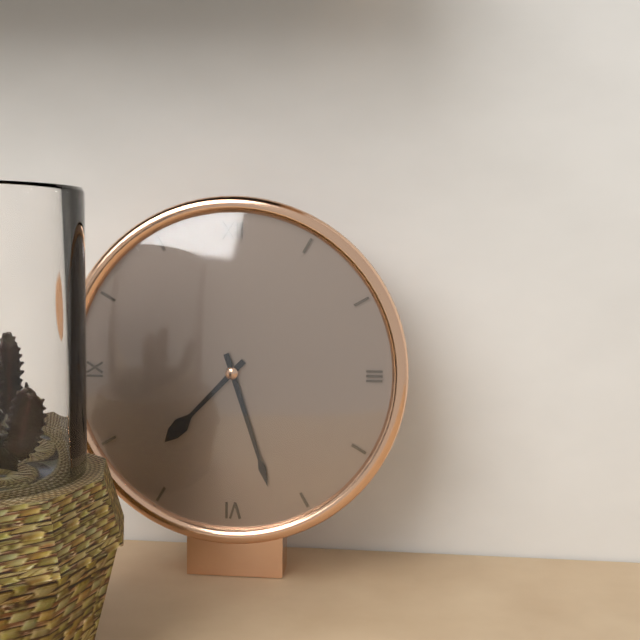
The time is h=7 m=27
